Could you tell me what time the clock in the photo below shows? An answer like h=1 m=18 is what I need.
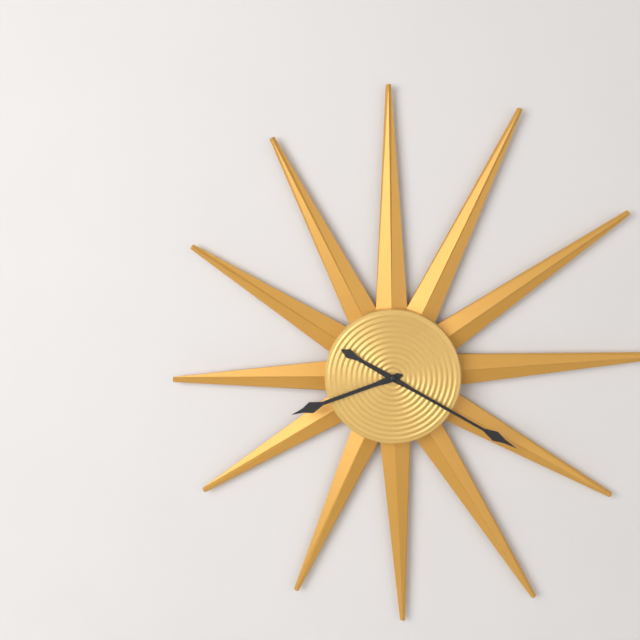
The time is h=8 m=20
